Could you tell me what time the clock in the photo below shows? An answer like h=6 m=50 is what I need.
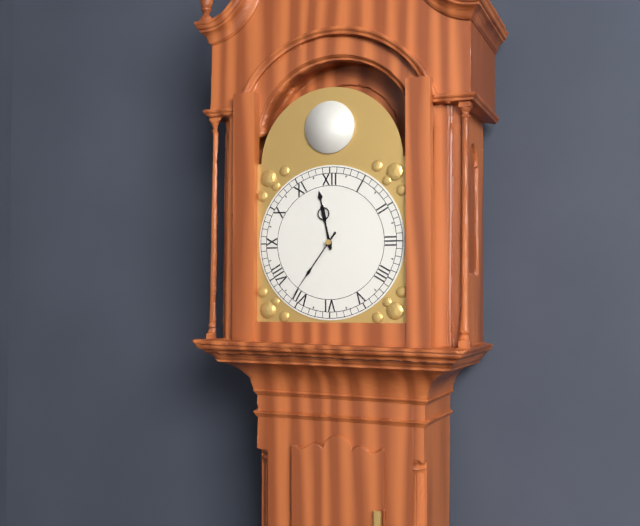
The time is h=11 m=36
